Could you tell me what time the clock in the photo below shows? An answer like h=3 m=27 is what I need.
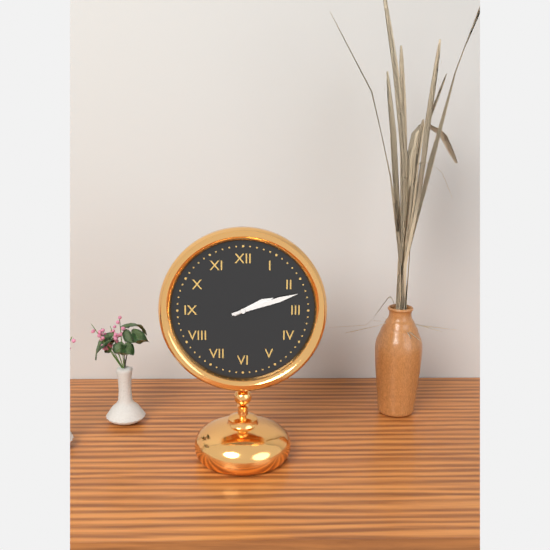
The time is h=2 m=12
